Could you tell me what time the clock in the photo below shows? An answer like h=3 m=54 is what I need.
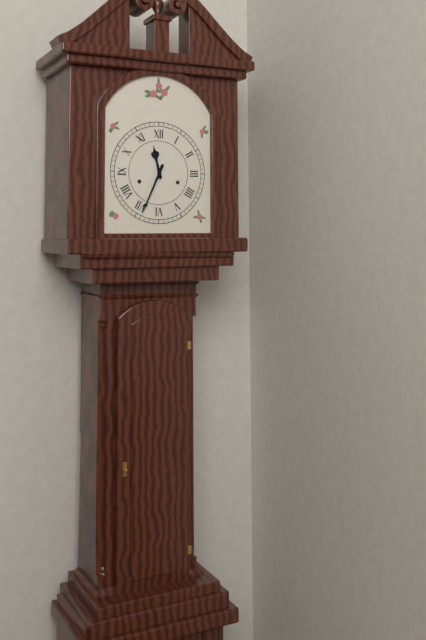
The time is h=11 m=34
